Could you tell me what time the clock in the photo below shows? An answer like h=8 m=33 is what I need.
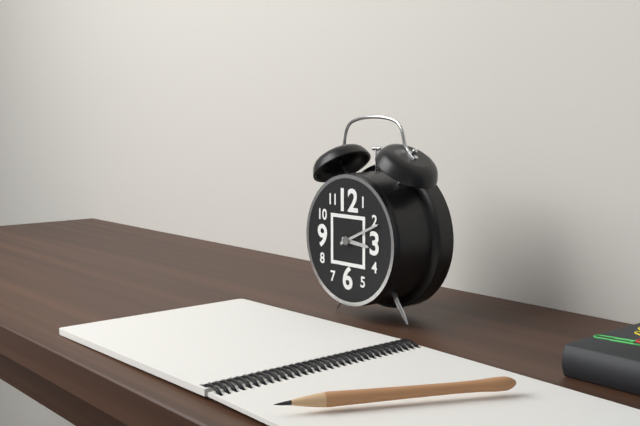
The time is h=3 m=11
